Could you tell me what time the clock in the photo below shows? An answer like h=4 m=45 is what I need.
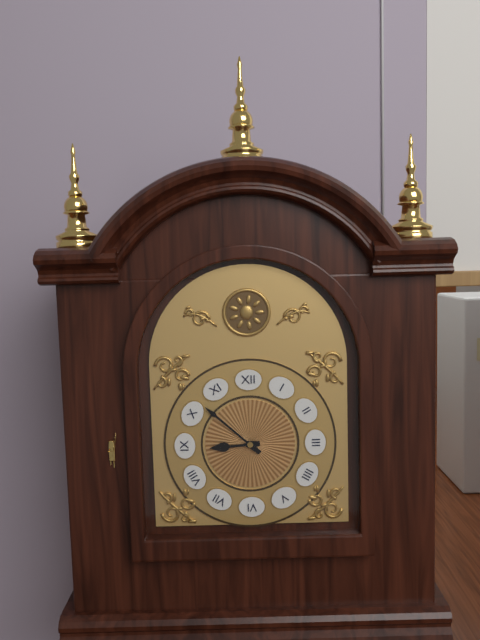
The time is h=8 m=52
